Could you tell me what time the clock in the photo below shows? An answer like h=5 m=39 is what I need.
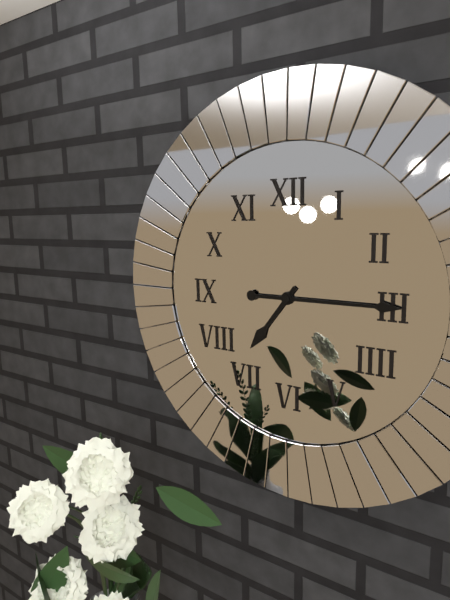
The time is h=7 m=15
